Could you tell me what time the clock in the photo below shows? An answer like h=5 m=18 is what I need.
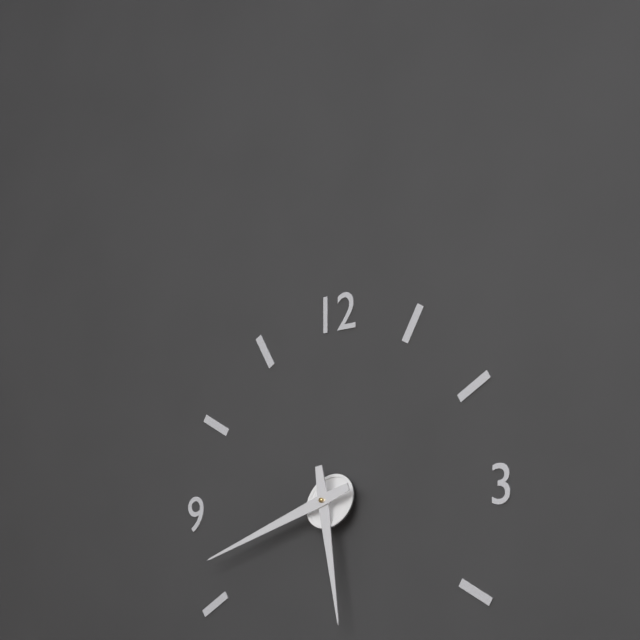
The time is h=5 m=42
